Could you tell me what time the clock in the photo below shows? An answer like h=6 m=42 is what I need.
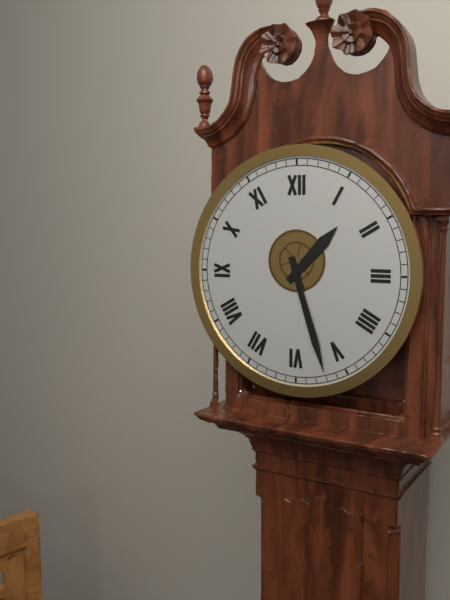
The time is h=1 m=27
